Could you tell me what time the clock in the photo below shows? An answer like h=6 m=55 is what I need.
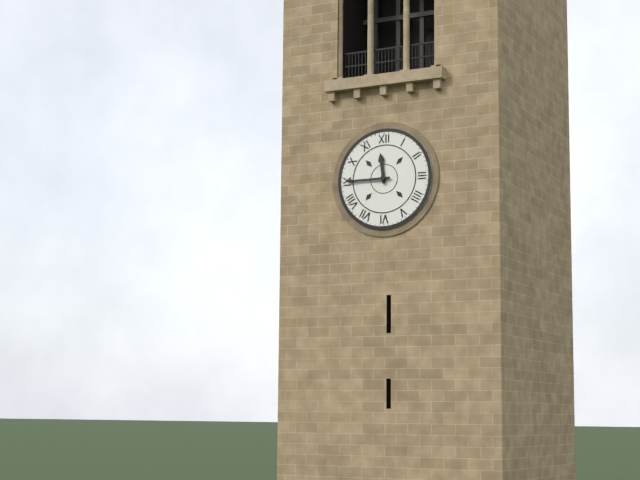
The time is h=11 m=45
